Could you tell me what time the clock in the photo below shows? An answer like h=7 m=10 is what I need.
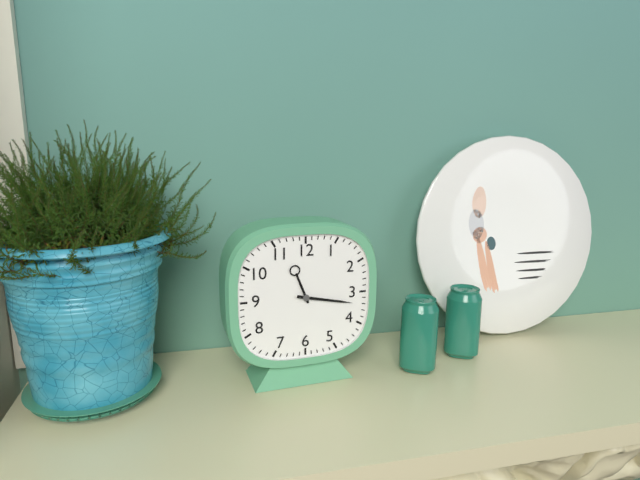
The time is h=11 m=17
